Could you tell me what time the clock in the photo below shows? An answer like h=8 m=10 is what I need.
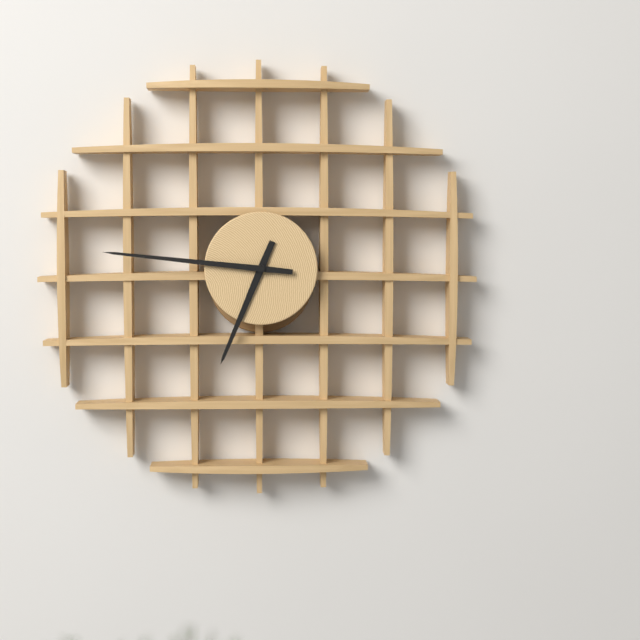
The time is h=6 m=46
